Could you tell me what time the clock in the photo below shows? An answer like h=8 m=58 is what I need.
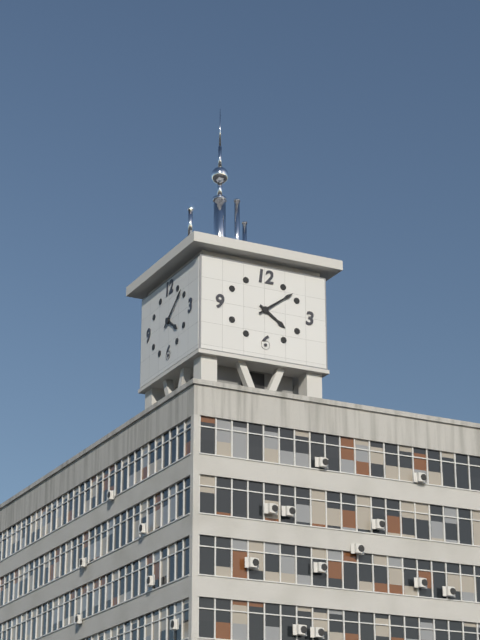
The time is h=4 m=9
